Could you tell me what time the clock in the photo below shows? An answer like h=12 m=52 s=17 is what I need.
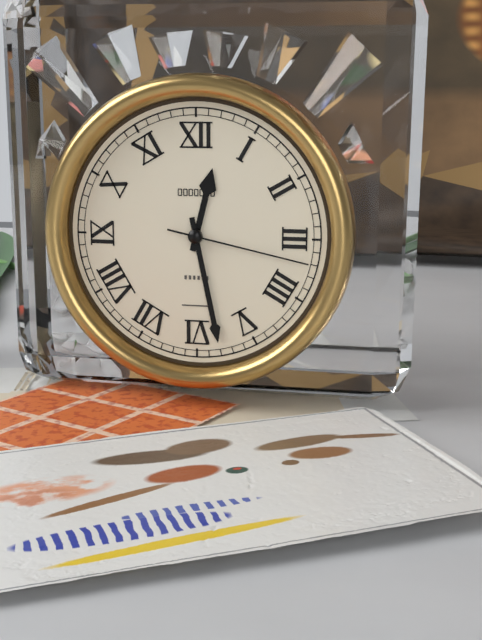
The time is h=12 m=28 s=17
